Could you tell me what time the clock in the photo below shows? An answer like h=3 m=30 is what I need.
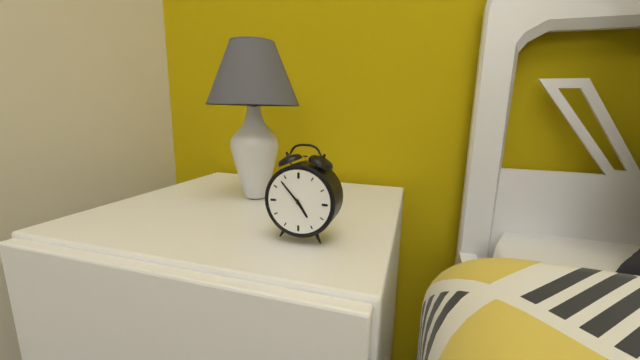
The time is h=4 m=53
